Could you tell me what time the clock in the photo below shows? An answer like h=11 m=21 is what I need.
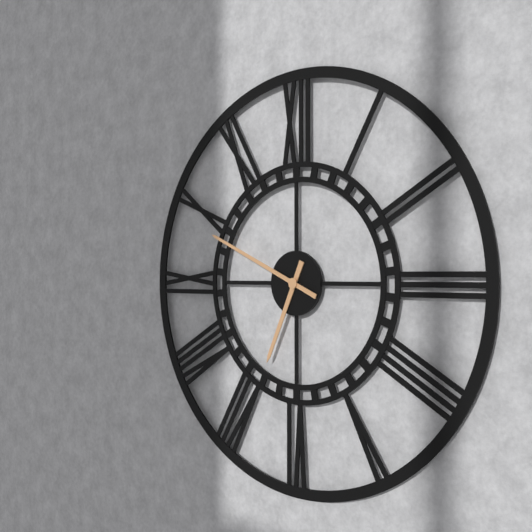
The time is h=6 m=49
